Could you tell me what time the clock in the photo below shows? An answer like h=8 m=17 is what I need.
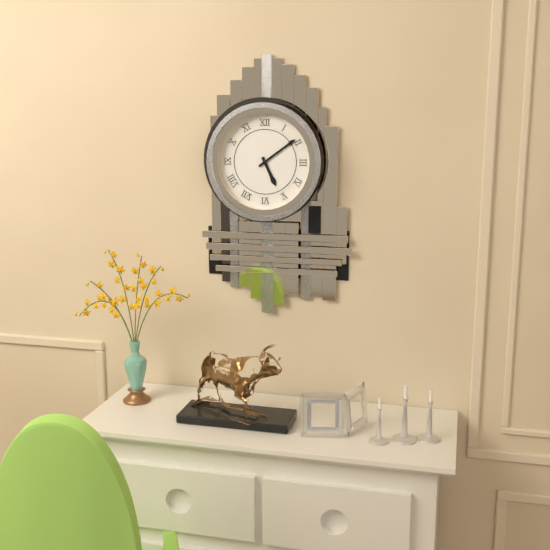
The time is h=5 m=9
